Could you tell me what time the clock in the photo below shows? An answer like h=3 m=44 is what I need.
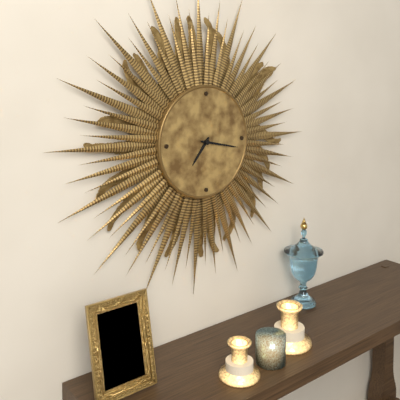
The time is h=7 m=17
